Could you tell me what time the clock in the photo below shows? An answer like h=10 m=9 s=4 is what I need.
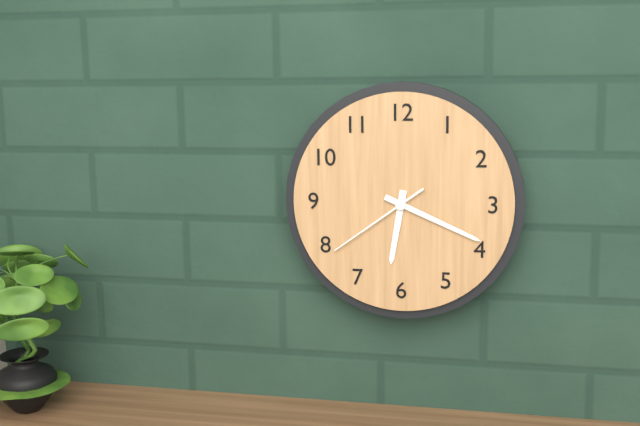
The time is h=6 m=19 s=39
